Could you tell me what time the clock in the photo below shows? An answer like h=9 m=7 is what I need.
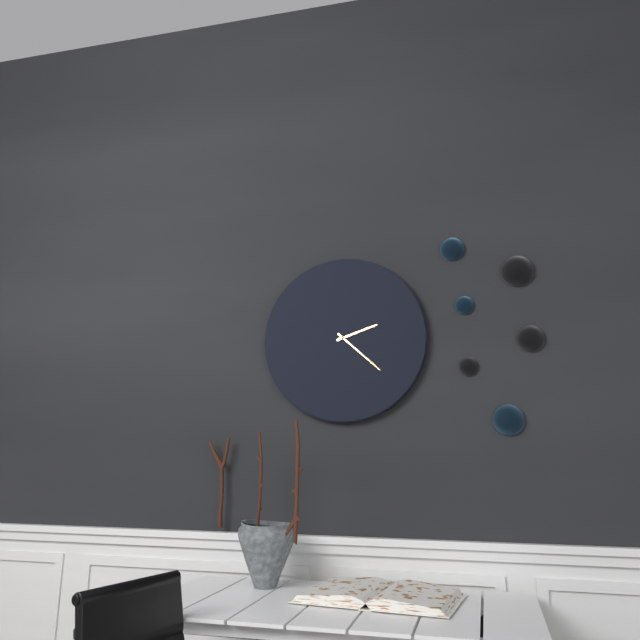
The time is h=2 m=22
